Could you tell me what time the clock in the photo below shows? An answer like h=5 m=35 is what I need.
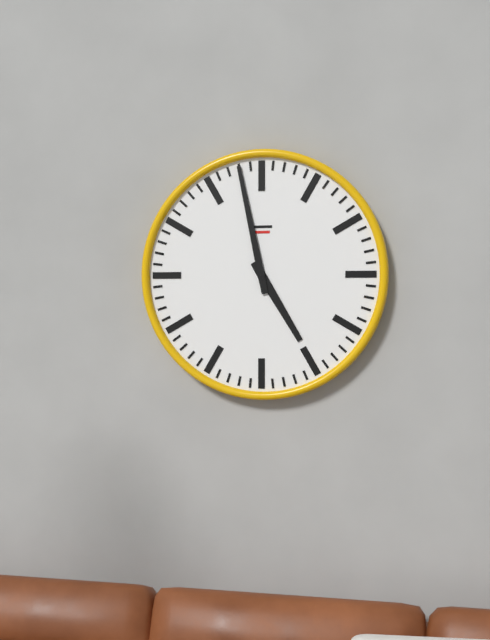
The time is h=4 m=58
